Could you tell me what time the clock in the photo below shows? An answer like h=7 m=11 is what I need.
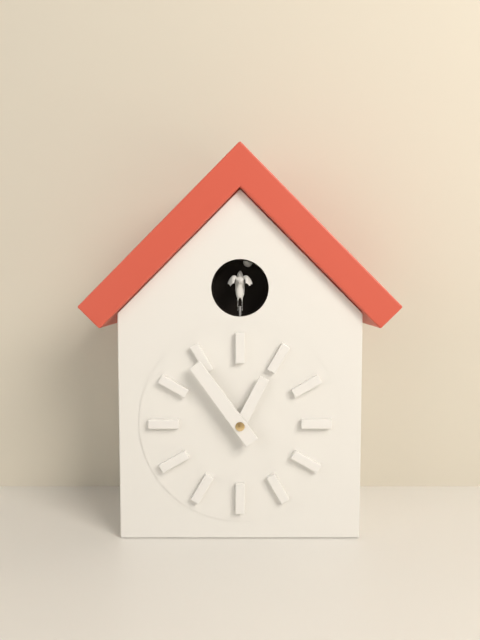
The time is h=12 m=54
